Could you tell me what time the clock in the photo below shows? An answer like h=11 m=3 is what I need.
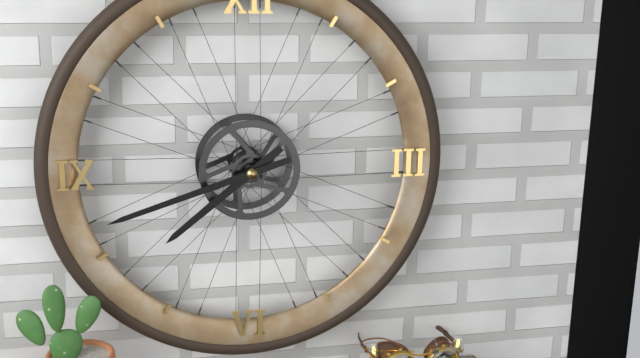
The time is h=7 m=42
